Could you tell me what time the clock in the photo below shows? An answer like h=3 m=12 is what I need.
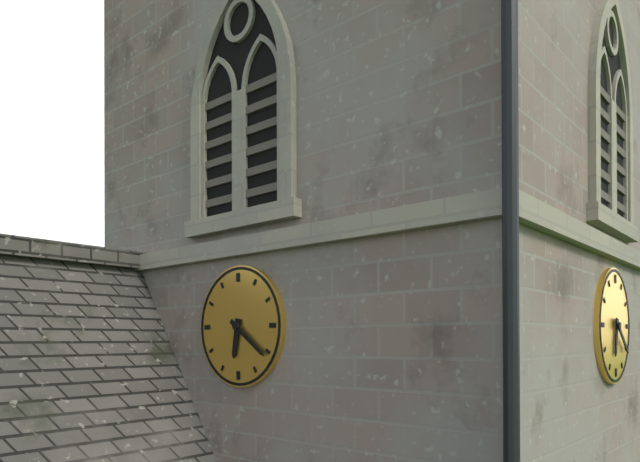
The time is h=6 m=21
